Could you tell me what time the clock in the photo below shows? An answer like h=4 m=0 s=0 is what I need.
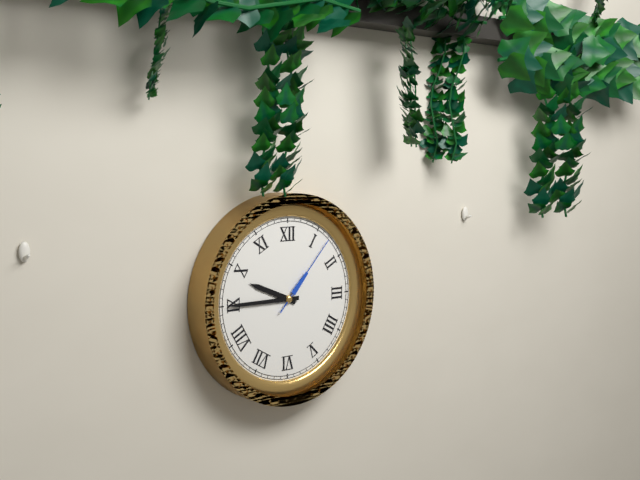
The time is h=9 m=45 s=7
